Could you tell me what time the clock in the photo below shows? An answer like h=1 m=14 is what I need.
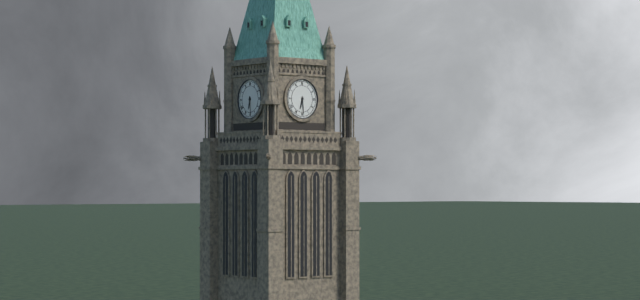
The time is h=6 m=29
